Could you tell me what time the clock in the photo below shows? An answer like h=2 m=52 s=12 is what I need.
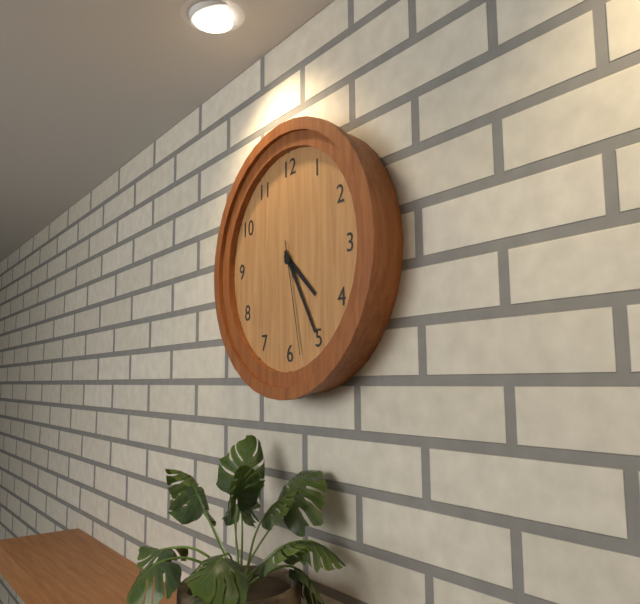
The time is h=4 m=25 s=28
